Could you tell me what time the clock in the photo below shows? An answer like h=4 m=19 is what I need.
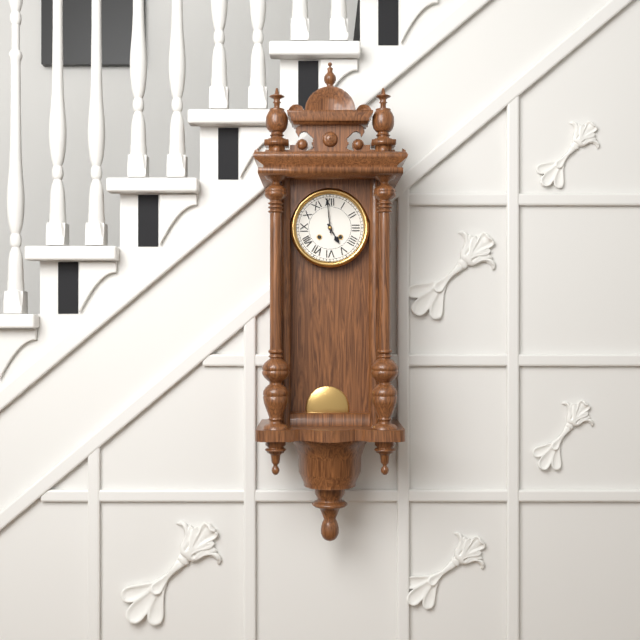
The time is h=4 m=59
